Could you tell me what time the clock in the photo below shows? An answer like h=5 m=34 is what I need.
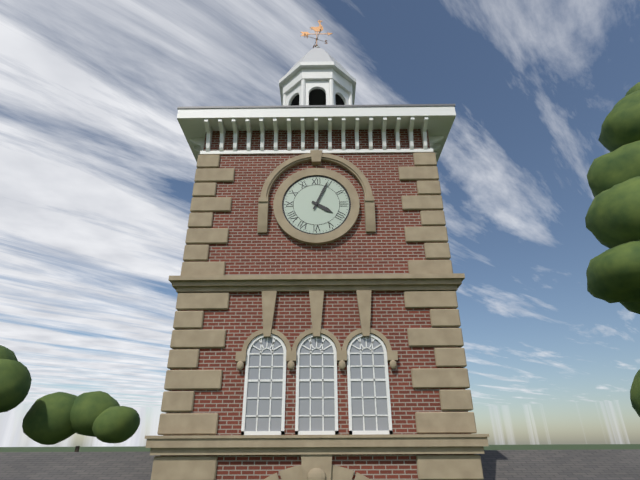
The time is h=4 m=4
